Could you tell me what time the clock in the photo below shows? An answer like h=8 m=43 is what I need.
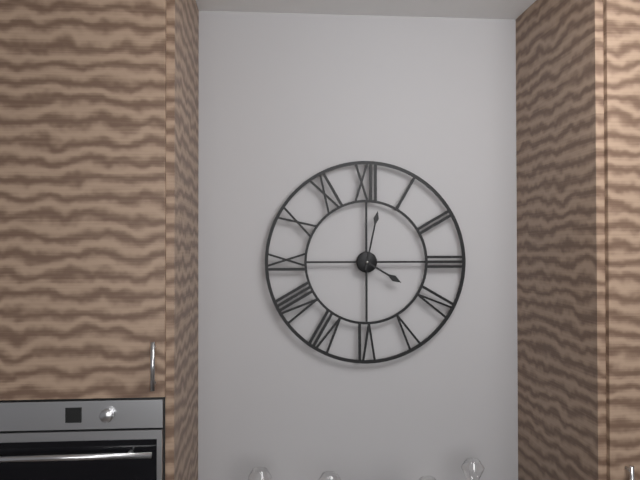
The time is h=4 m=2
